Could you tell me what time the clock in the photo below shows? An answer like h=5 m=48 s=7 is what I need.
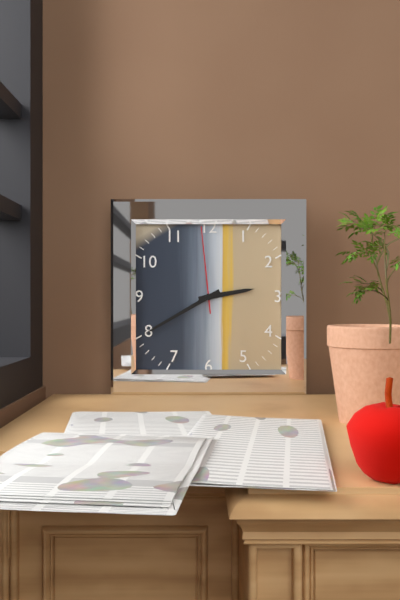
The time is h=2 m=40 s=59
